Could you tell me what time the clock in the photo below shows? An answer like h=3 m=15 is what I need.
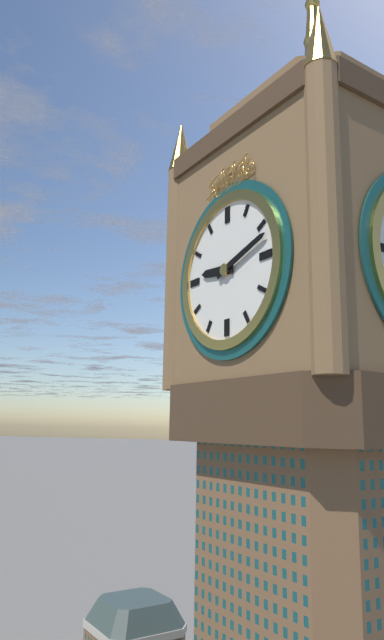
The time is h=9 m=12
